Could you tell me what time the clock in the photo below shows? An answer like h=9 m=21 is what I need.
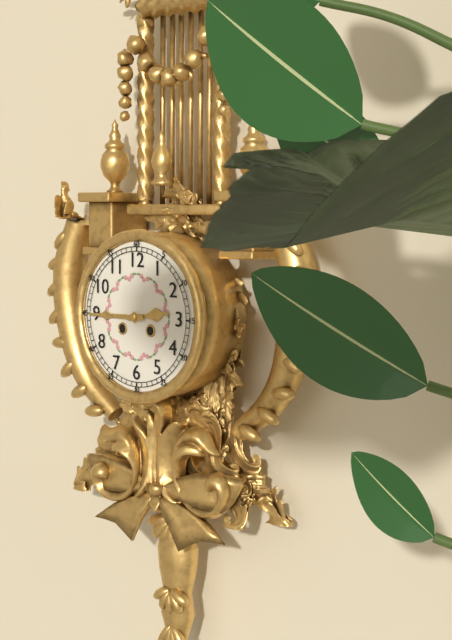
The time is h=2 m=45
